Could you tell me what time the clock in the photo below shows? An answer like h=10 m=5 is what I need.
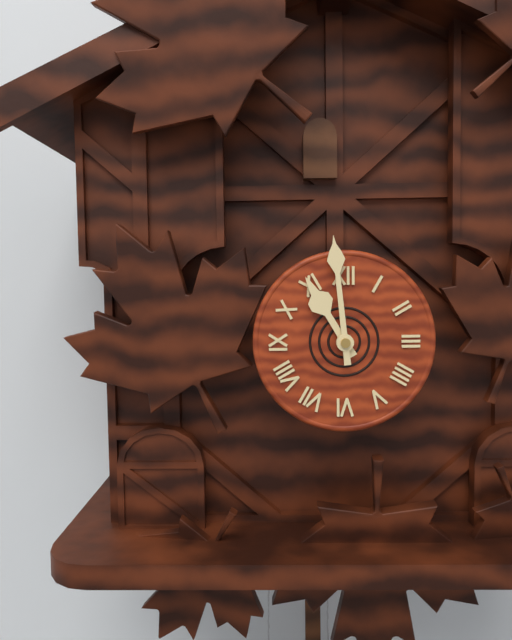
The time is h=10 m=59
